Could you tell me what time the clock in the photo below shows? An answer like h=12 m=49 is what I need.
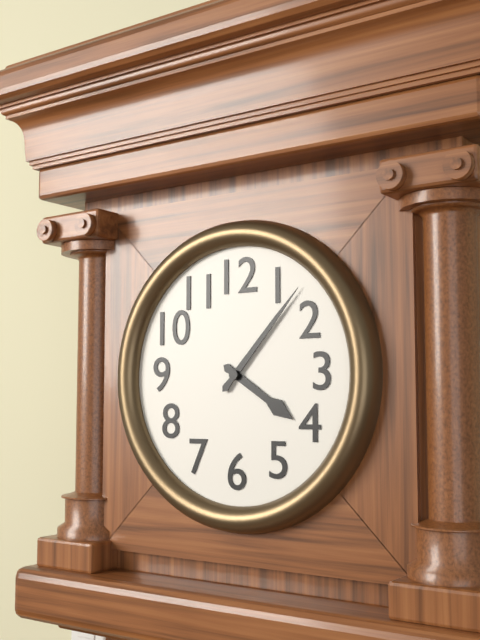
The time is h=4 m=7
